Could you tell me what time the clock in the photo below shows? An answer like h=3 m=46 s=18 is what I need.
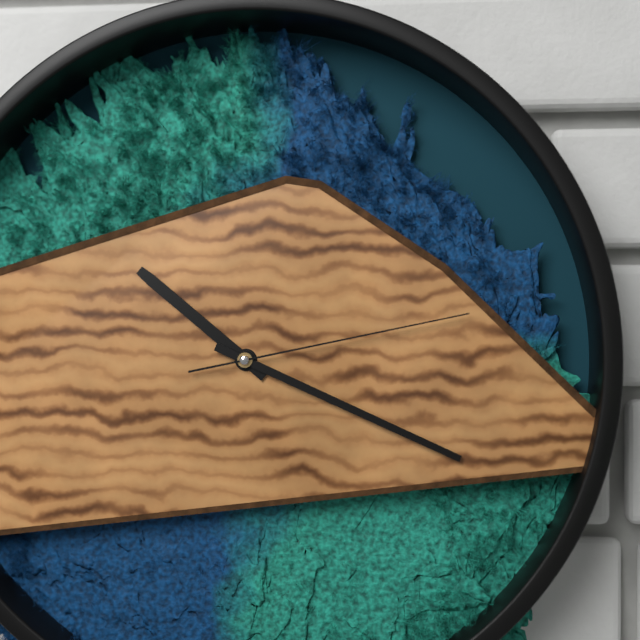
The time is h=10 m=19 s=13
